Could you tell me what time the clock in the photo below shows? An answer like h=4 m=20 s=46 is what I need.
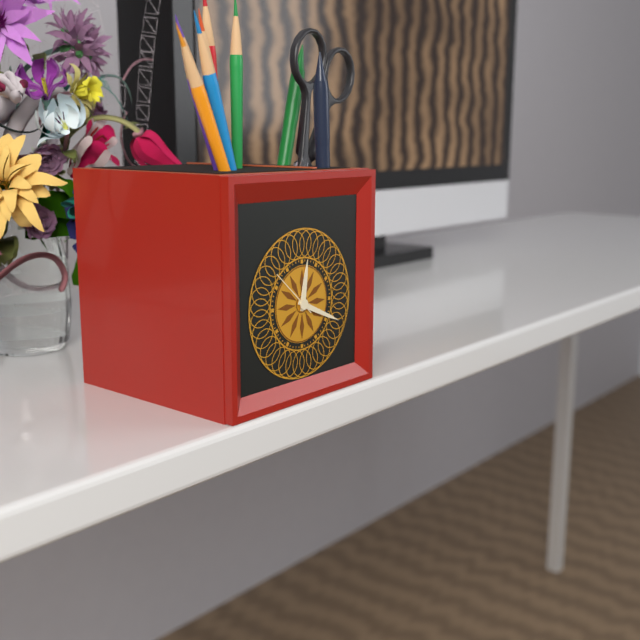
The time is h=12 m=19 s=52
